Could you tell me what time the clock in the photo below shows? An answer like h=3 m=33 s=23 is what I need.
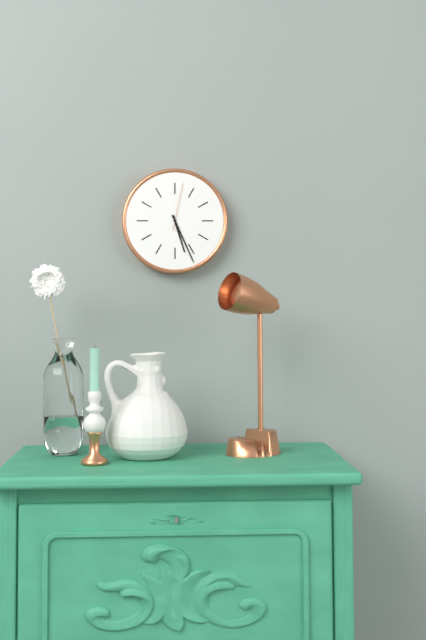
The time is h=5 m=26 s=2
